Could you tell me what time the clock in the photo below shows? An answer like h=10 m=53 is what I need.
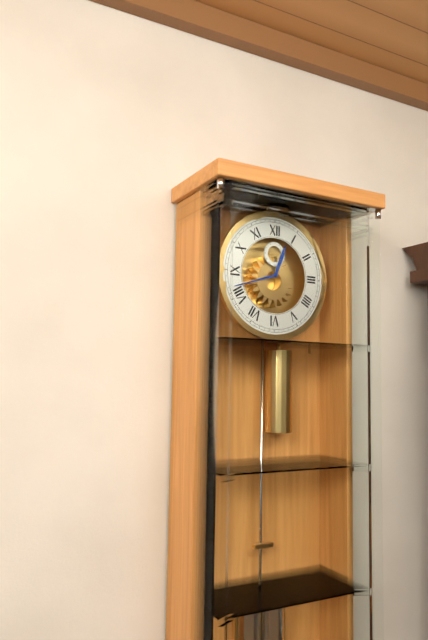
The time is h=12 m=42
